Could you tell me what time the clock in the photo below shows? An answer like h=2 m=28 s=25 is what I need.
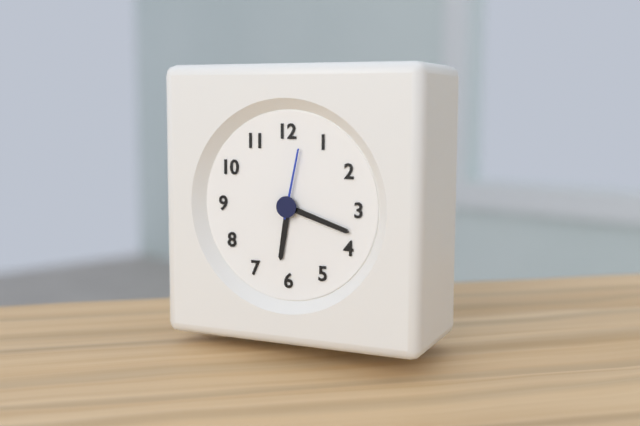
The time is h=6 m=18 s=2
